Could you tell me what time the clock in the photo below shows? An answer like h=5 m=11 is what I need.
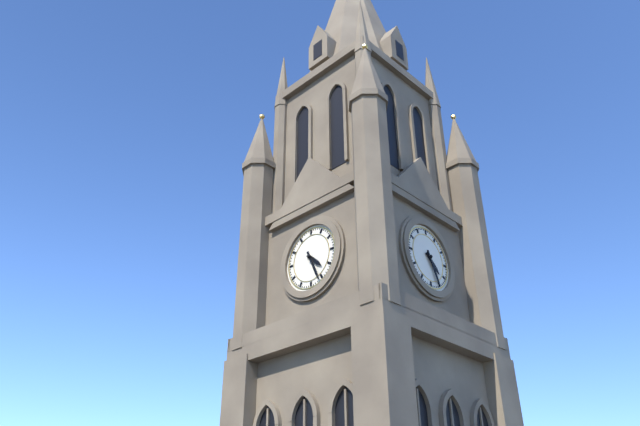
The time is h=4 m=26
